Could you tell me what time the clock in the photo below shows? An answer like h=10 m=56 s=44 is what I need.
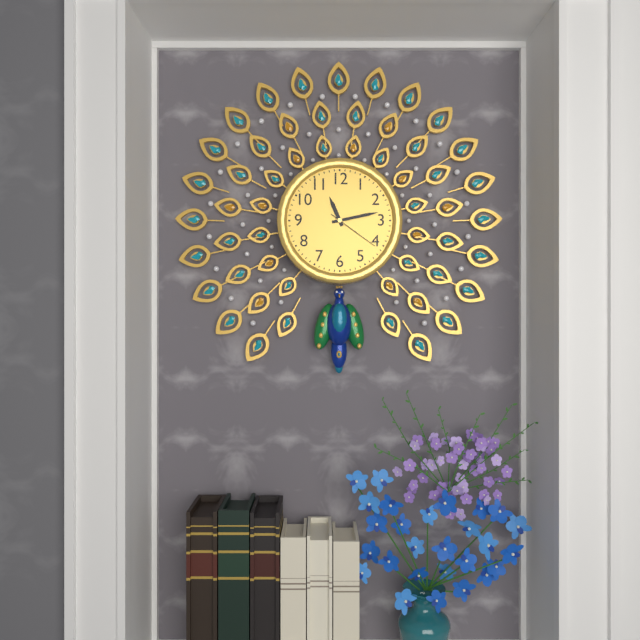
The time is h=11 m=13 s=21
